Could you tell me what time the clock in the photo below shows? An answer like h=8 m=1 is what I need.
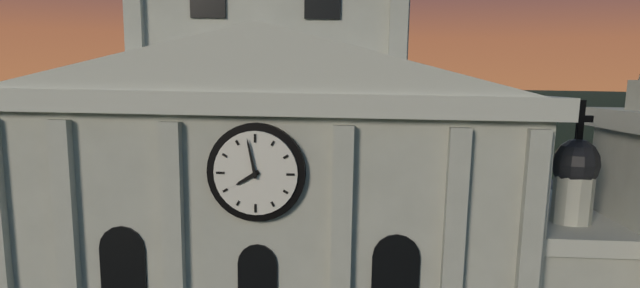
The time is h=7 m=58
